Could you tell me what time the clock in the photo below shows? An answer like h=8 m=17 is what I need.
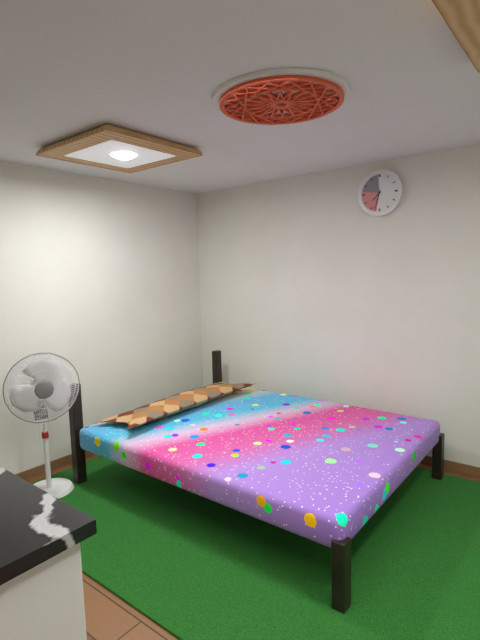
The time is h=7 m=33
